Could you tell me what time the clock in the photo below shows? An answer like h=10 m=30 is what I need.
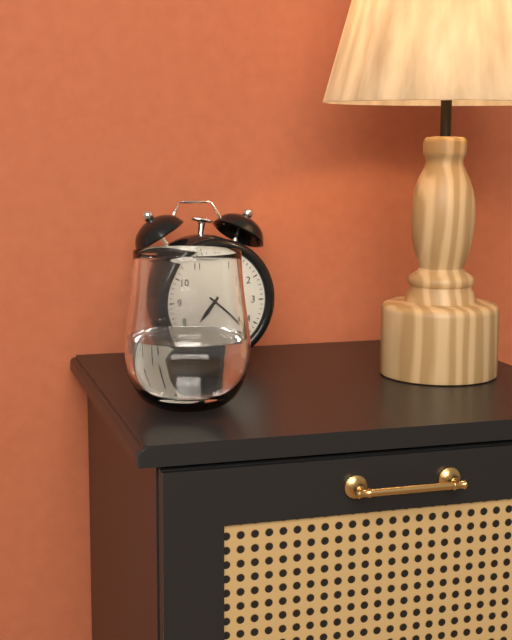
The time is h=7 m=21
